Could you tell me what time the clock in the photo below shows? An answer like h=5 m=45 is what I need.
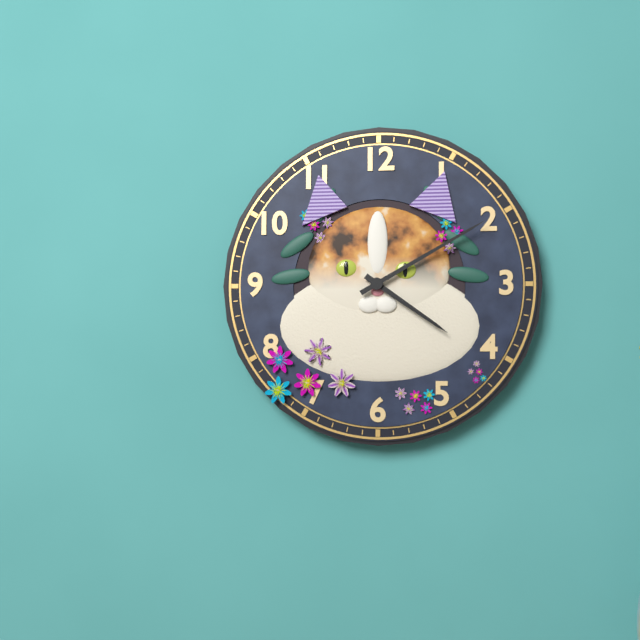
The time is h=4 m=10
